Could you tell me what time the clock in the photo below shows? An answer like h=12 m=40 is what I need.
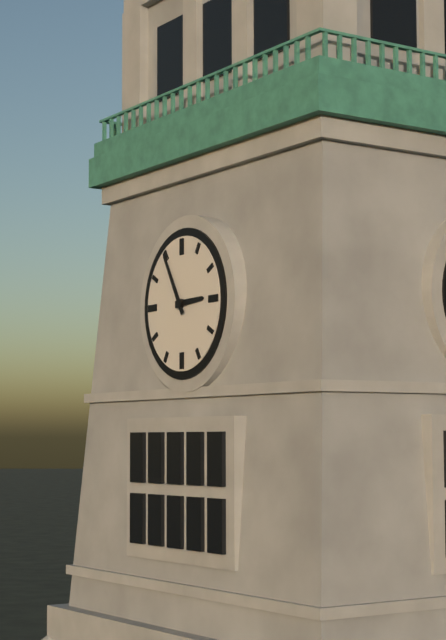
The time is h=2 m=55
